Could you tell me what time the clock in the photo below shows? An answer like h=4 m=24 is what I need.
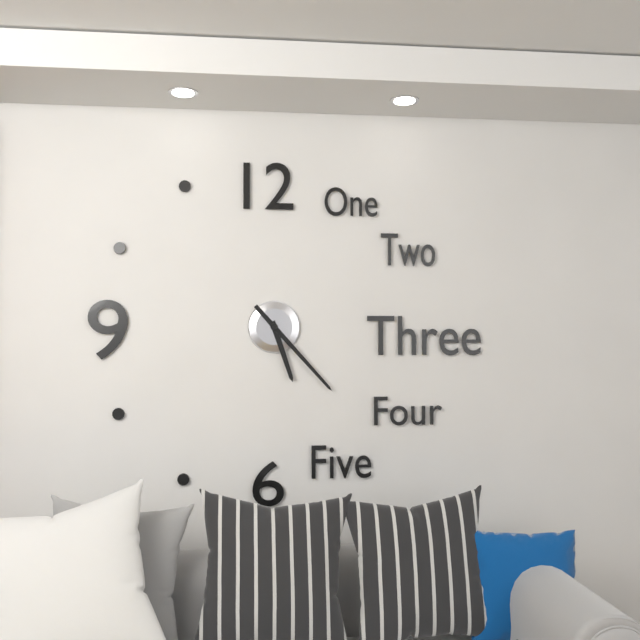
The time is h=5 m=23
